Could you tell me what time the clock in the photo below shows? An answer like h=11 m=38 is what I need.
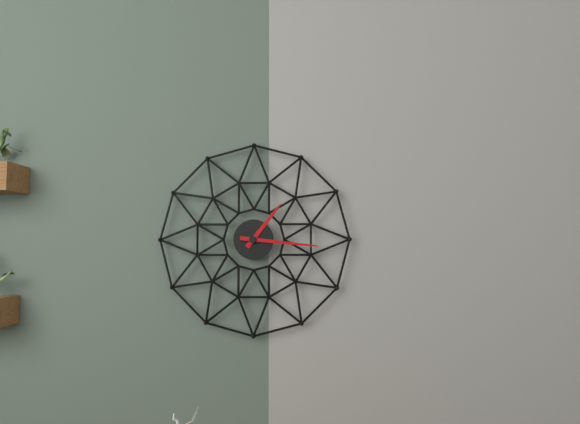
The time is h=1 m=16
